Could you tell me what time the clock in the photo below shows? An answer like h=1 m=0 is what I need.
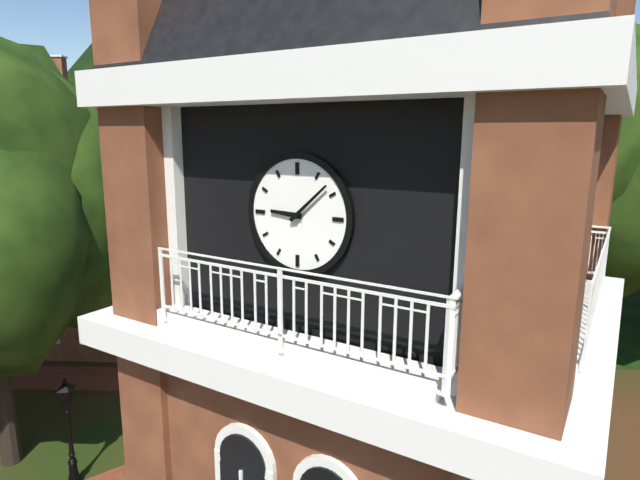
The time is h=9 m=8
